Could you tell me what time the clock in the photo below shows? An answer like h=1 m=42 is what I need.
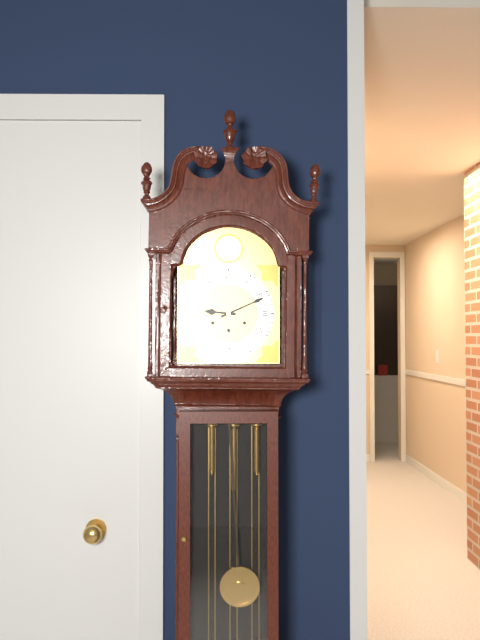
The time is h=9 m=11
